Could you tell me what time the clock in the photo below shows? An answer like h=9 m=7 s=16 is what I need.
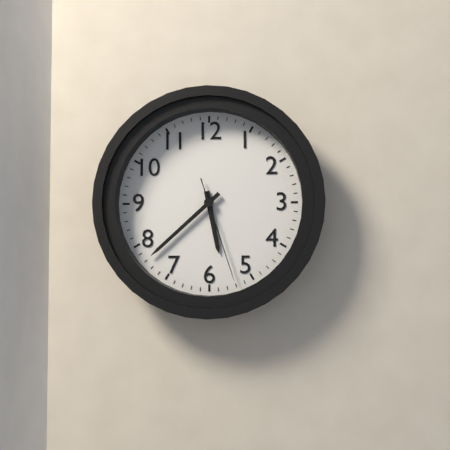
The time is h=5 m=38 s=27
